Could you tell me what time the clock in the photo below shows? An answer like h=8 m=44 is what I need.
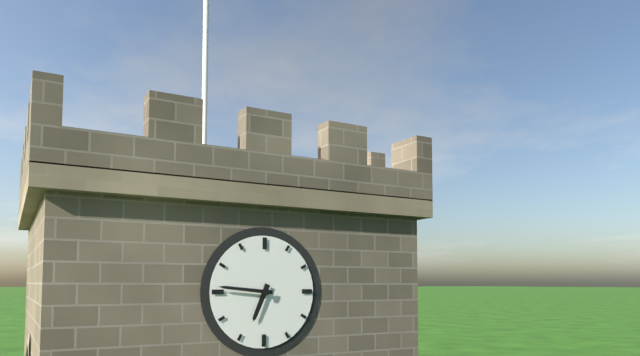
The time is h=6 m=46
